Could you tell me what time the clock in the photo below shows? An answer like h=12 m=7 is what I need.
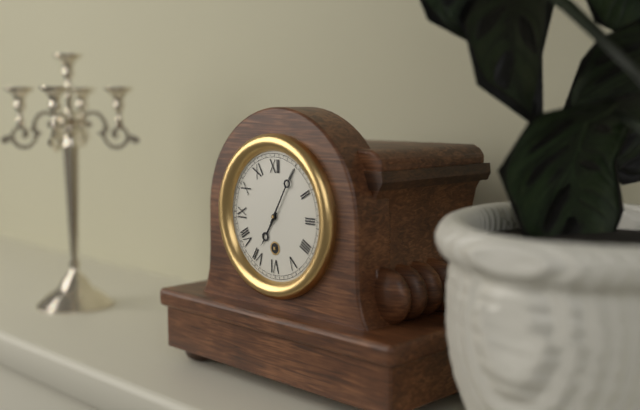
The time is h=7 m=5
